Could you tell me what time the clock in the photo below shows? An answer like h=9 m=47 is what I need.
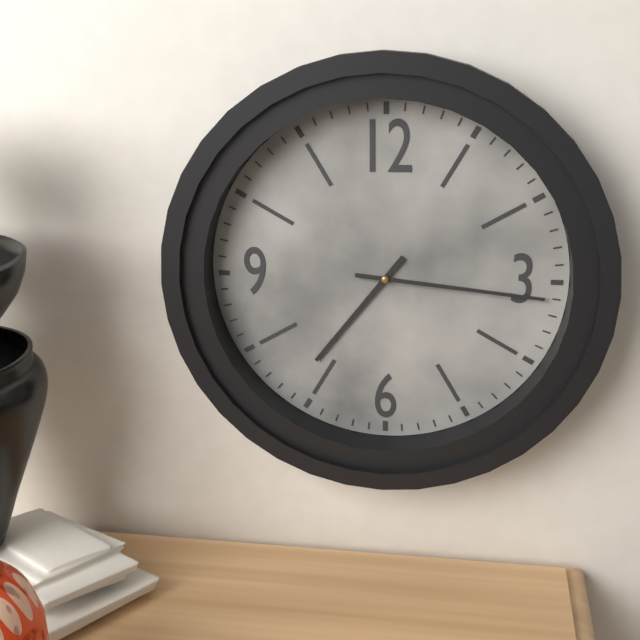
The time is h=7 m=16
